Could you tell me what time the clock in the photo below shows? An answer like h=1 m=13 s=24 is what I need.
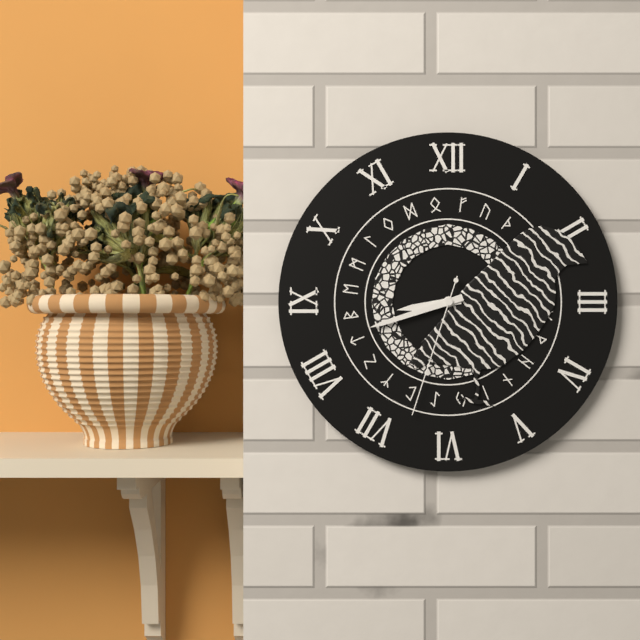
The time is h=8 m=42 s=33
